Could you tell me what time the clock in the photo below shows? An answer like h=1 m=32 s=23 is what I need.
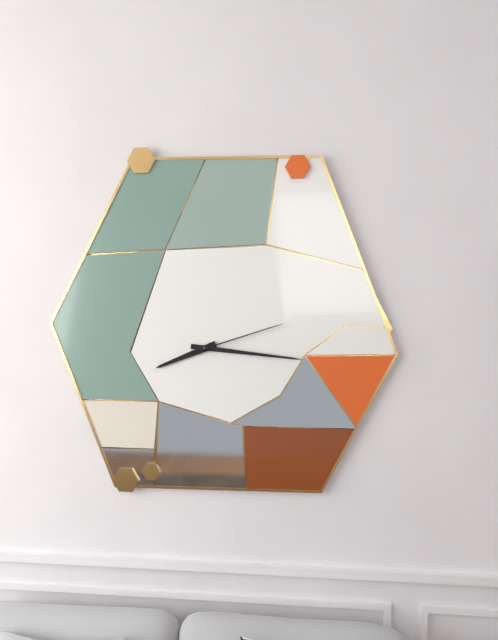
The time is h=8 m=16 s=12
